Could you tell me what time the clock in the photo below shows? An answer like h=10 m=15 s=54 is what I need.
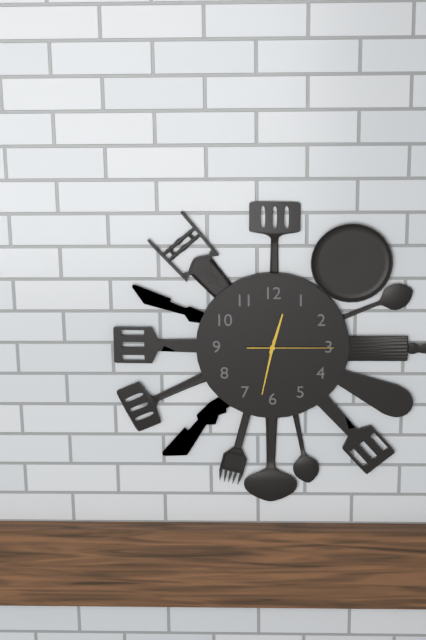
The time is h=12 m=32 s=15
